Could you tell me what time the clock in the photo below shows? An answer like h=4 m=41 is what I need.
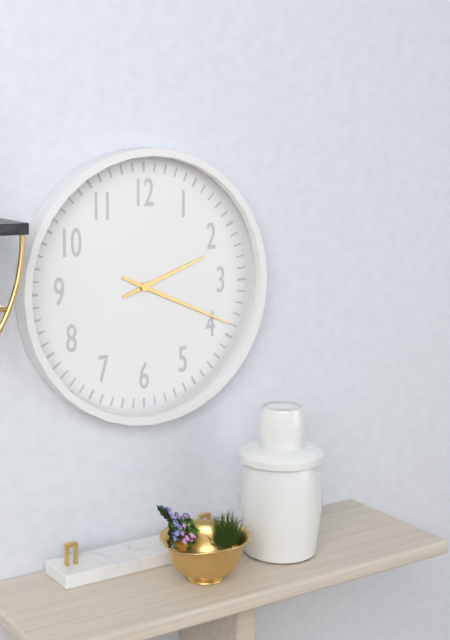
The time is h=2 m=19
